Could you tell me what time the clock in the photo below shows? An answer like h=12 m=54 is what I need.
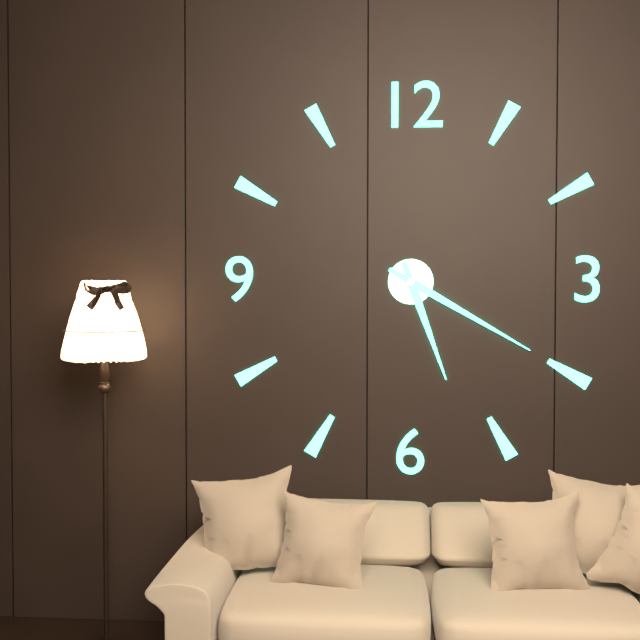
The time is h=5 m=20
